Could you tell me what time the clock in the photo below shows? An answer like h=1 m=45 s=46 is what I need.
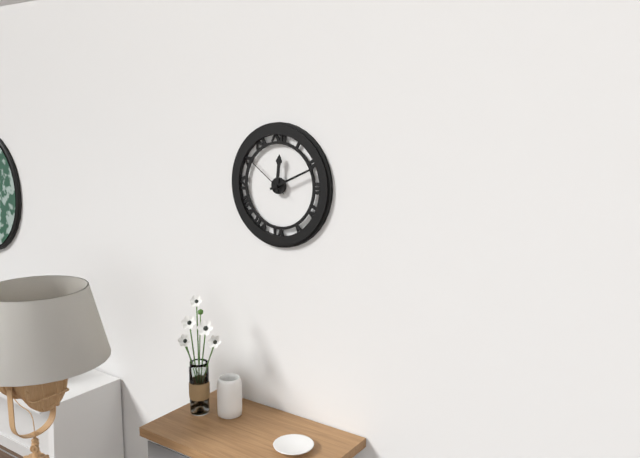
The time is h=12 m=11 s=51
